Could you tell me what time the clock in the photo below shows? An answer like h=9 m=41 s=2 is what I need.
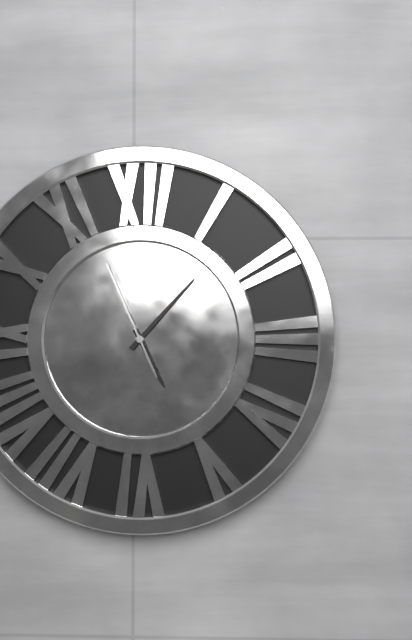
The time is h=5 m=7 s=56
